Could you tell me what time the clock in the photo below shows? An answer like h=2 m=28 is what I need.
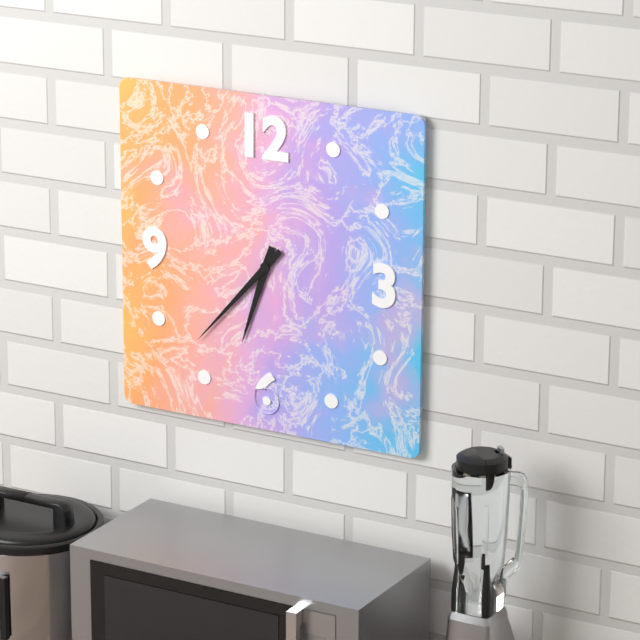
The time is h=6 m=37
